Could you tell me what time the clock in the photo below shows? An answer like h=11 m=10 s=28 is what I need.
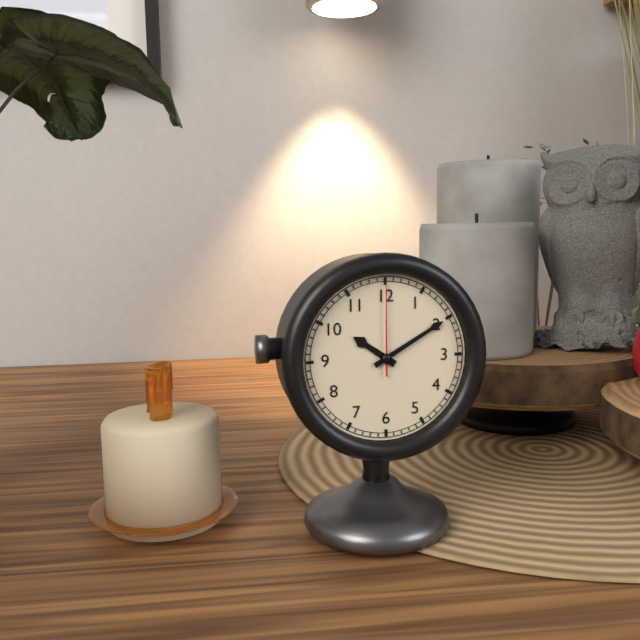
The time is h=10 m=10 s=0
